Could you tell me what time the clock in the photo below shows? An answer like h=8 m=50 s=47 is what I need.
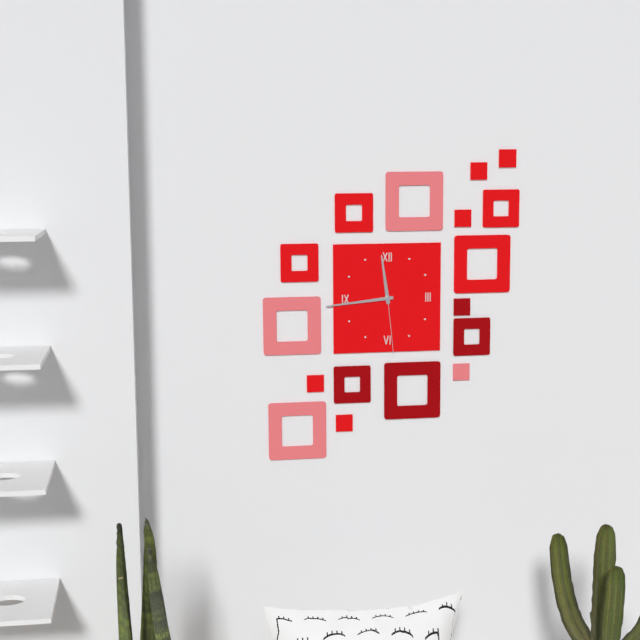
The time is h=11 m=44 s=29
